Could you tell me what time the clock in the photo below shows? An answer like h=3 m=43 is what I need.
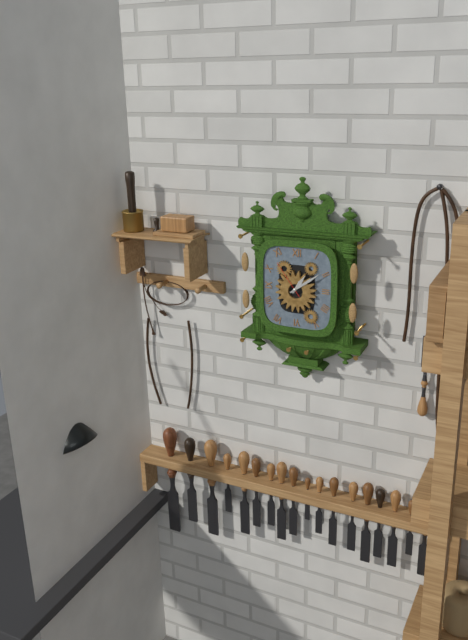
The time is h=1 m=9
